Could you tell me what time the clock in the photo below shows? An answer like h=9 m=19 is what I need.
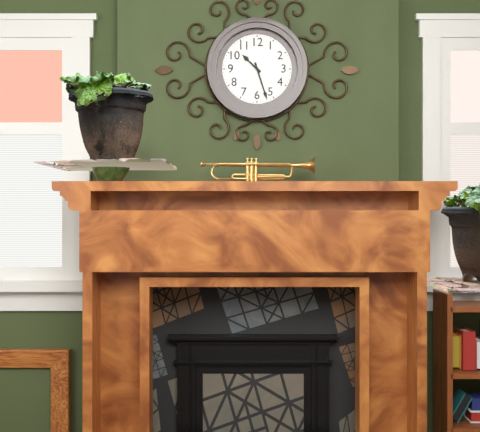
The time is h=10 m=27
